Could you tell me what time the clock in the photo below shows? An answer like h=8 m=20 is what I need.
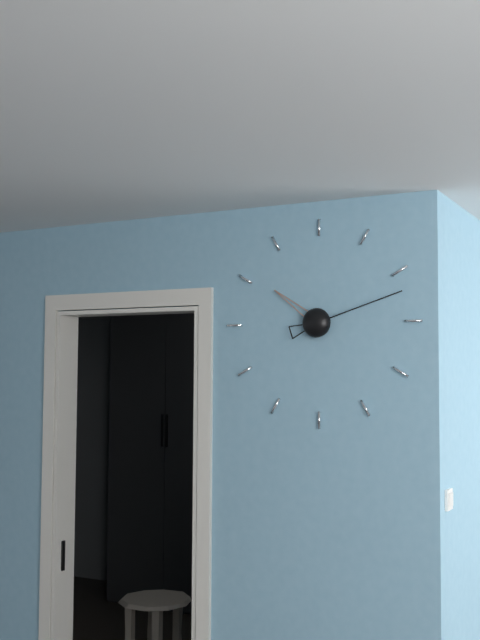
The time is h=10 m=12
